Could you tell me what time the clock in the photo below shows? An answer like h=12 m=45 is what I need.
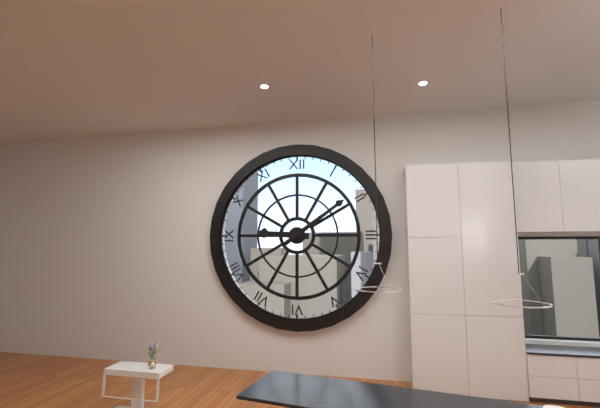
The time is h=9 m=9
